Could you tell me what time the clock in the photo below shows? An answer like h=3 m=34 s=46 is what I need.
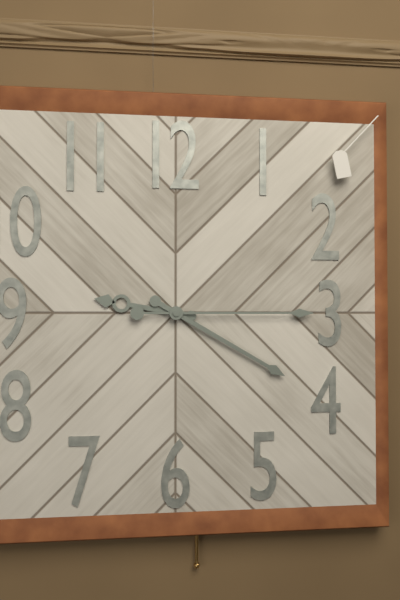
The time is h=9 m=20 s=15
